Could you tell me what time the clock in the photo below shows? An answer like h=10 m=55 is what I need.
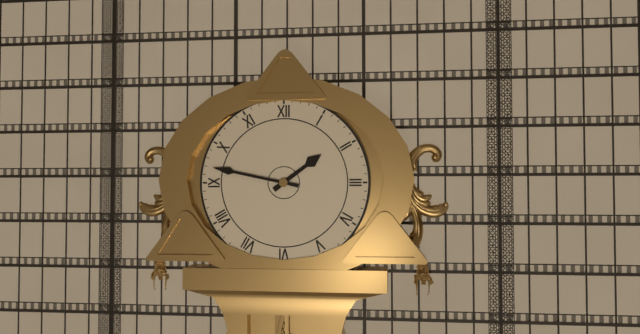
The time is h=1 m=47
